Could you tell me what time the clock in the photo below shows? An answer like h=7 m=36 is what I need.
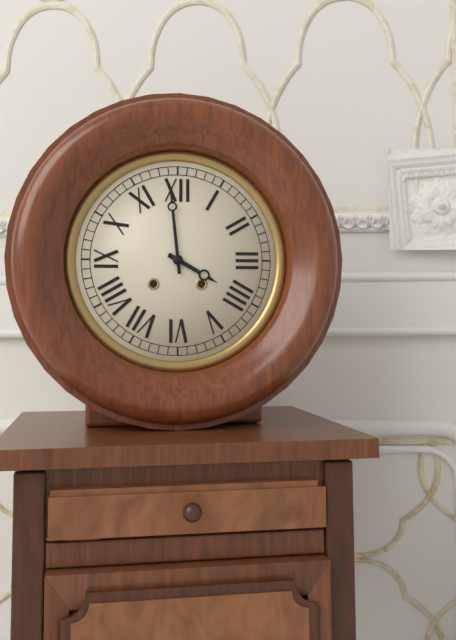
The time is h=3 m=59
